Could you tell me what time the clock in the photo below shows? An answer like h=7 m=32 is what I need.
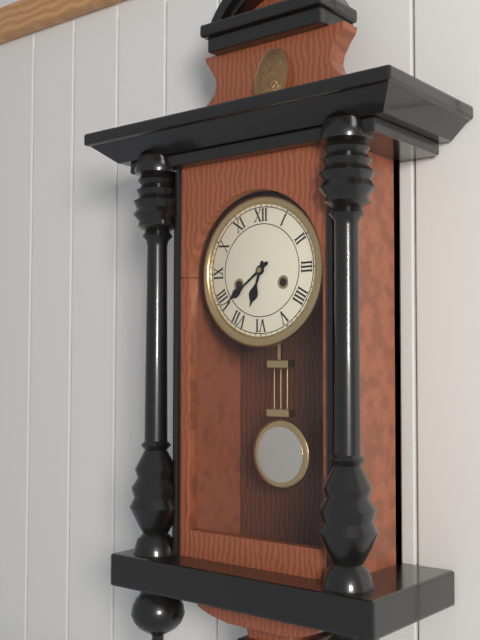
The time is h=6 m=39
